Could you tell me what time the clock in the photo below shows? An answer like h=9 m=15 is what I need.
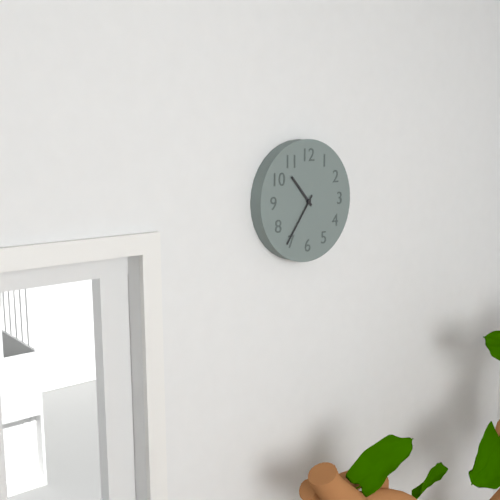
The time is h=10 m=36
